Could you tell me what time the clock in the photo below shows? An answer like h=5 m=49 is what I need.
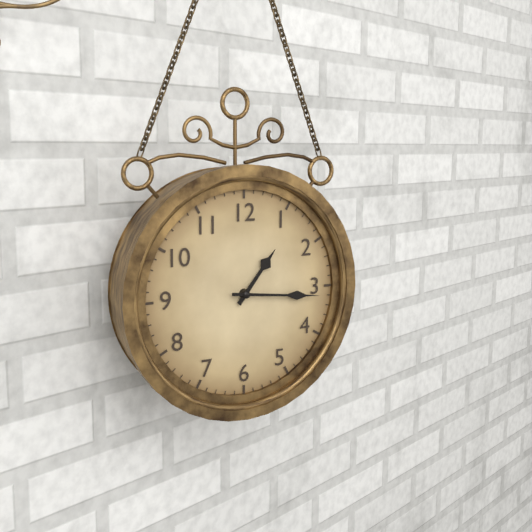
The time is h=1 m=16
